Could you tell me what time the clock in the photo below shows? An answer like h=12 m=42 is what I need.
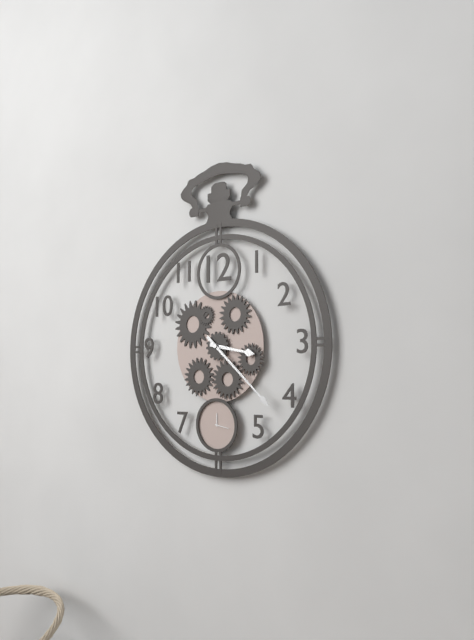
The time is h=3 m=22
